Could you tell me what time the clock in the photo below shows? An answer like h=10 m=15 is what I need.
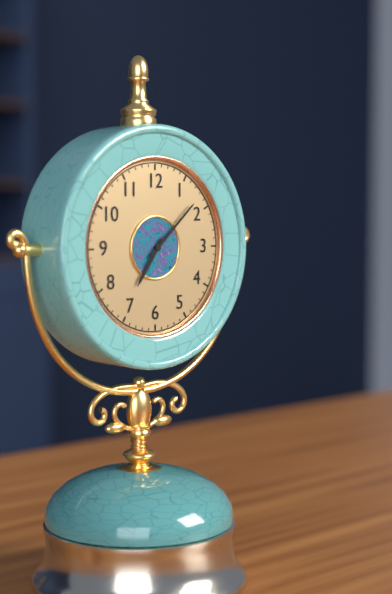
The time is h=7 m=8
